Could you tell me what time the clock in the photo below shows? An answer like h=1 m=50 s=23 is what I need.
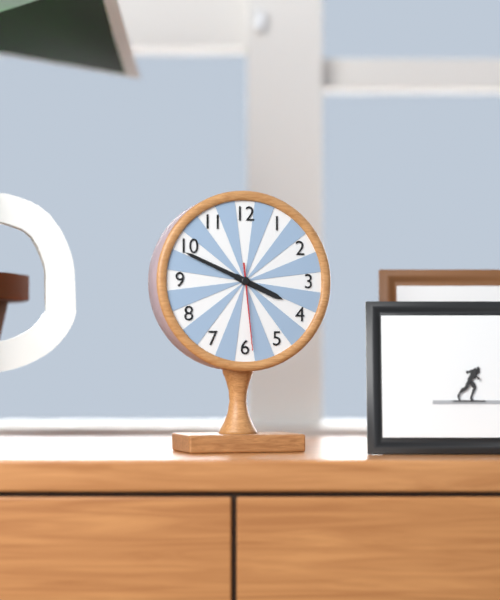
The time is h=3 m=49 s=29
